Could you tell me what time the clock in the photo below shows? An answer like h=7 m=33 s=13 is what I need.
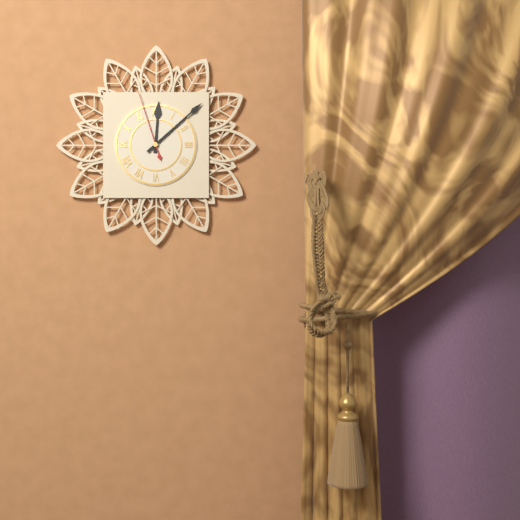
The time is h=12 m=8 s=57
